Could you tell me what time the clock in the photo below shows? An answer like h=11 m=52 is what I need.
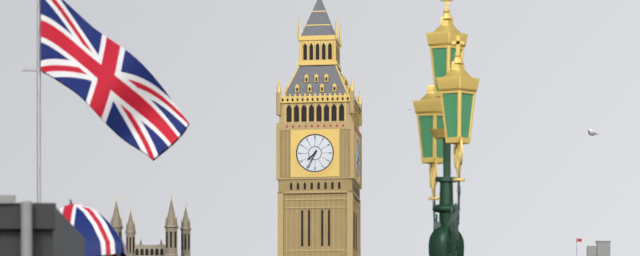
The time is h=7 m=34
